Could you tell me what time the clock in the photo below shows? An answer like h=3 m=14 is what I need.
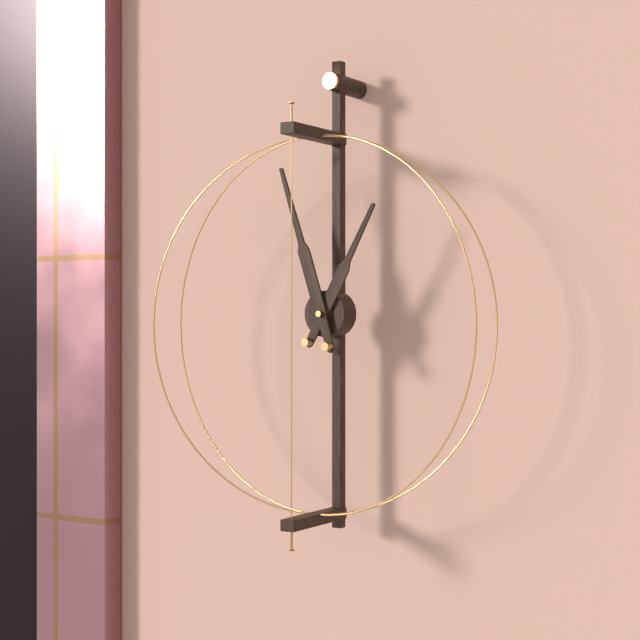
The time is h=12 m=57
